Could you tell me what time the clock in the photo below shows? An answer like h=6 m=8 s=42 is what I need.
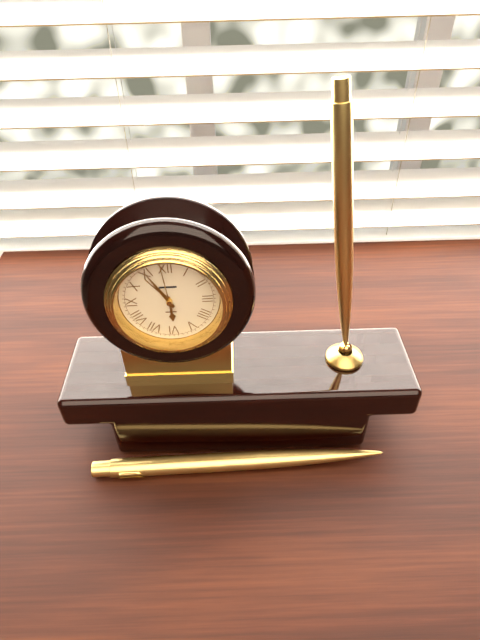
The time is h=5 m=55 s=59
